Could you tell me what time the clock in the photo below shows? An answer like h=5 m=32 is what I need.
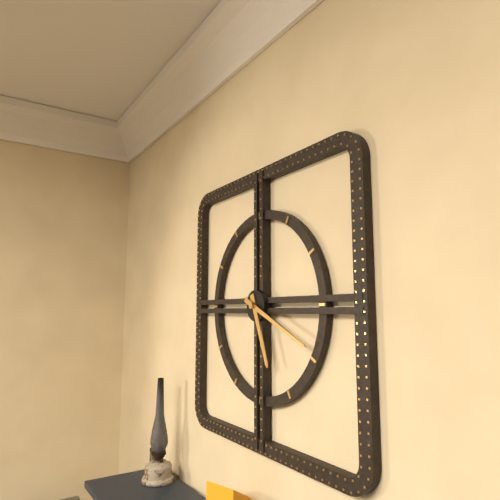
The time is h=5 m=19
